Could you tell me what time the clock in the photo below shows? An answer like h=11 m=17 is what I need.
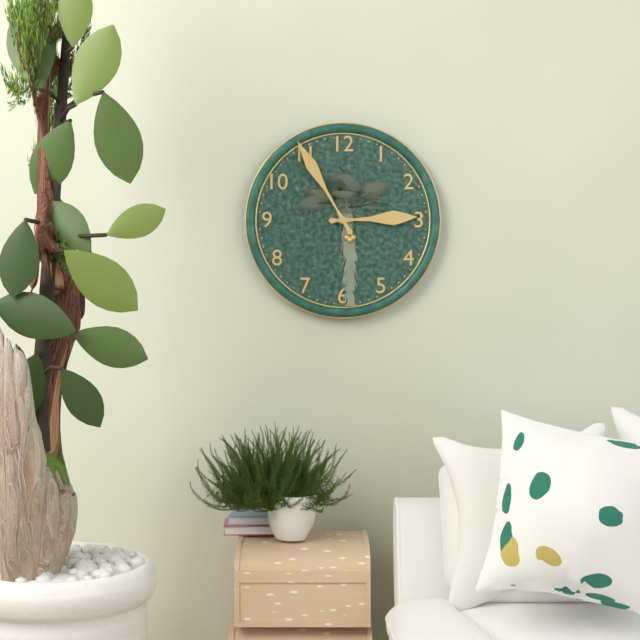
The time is h=2 m=55
